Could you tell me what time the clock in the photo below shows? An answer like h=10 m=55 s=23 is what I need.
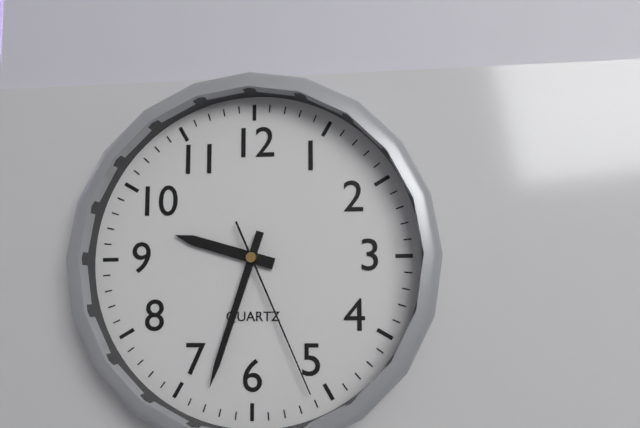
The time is h=9 m=33 s=26
